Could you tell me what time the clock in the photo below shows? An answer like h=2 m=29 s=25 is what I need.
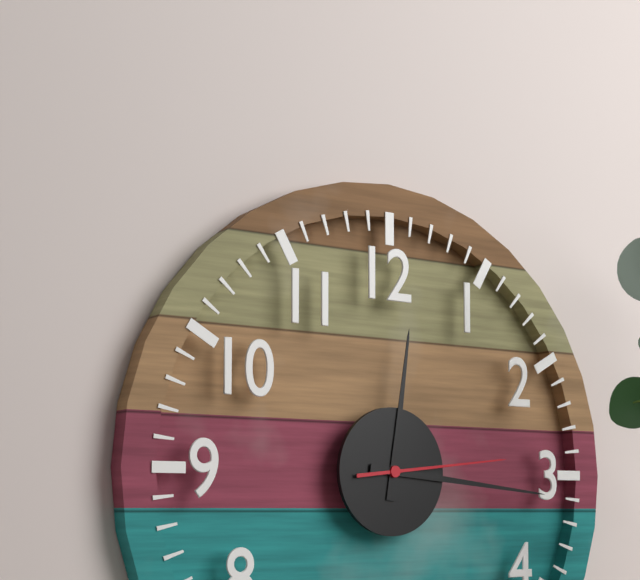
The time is h=12 m=16 s=14
